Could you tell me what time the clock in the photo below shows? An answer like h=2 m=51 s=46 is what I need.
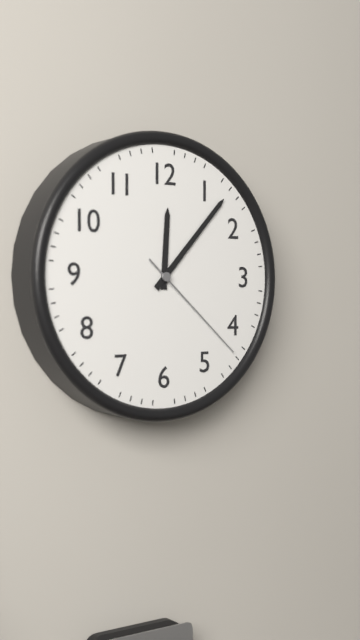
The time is h=12 m=7 s=22
